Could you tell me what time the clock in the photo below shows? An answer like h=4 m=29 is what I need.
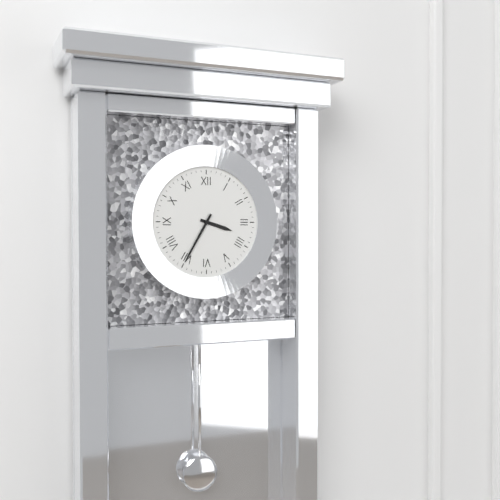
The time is h=3 m=35
